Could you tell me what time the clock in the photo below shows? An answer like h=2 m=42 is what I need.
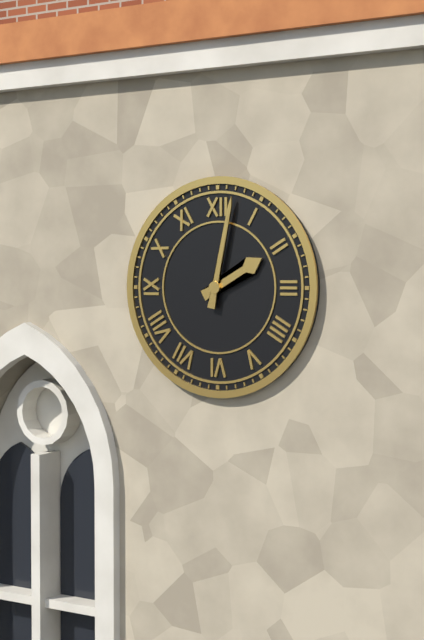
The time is h=2 m=2
